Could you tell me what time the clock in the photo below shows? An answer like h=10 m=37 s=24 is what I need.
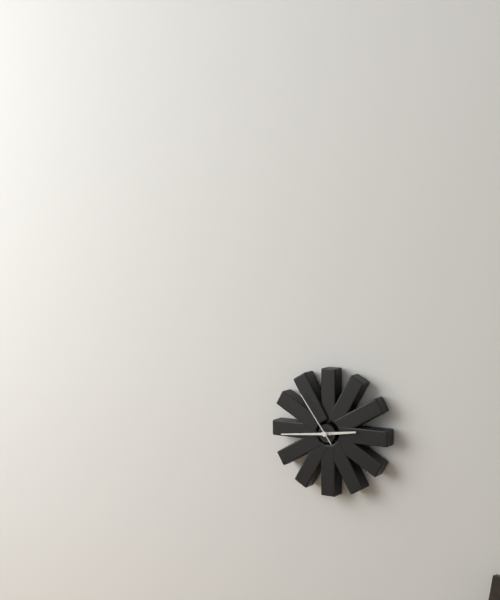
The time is h=2 m=44 s=54
